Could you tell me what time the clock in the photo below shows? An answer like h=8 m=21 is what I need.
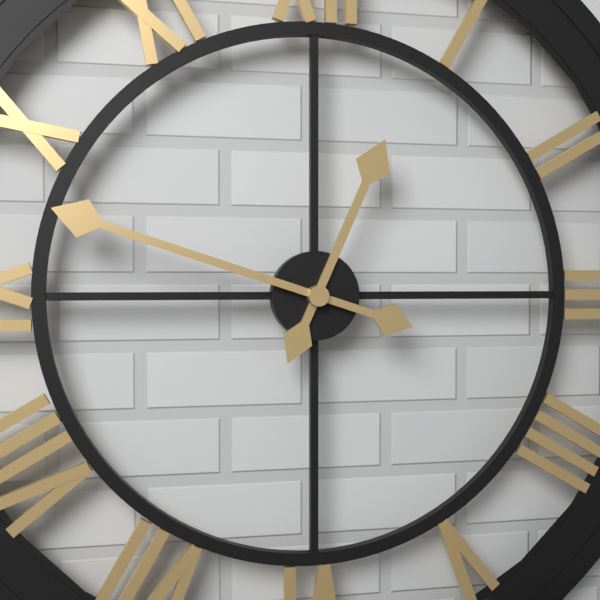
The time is h=12 m=48
